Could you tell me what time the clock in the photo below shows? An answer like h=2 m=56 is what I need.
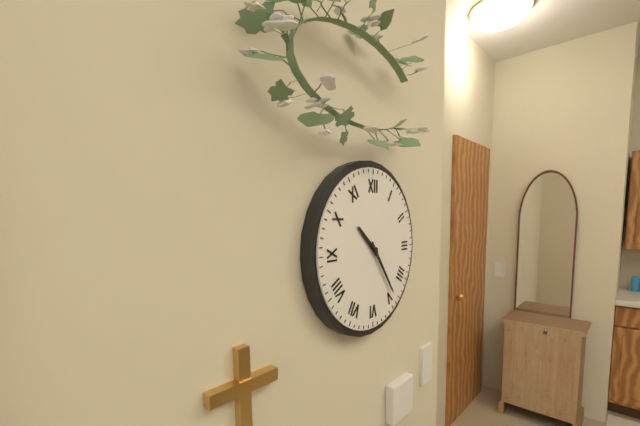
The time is h=10 m=24
